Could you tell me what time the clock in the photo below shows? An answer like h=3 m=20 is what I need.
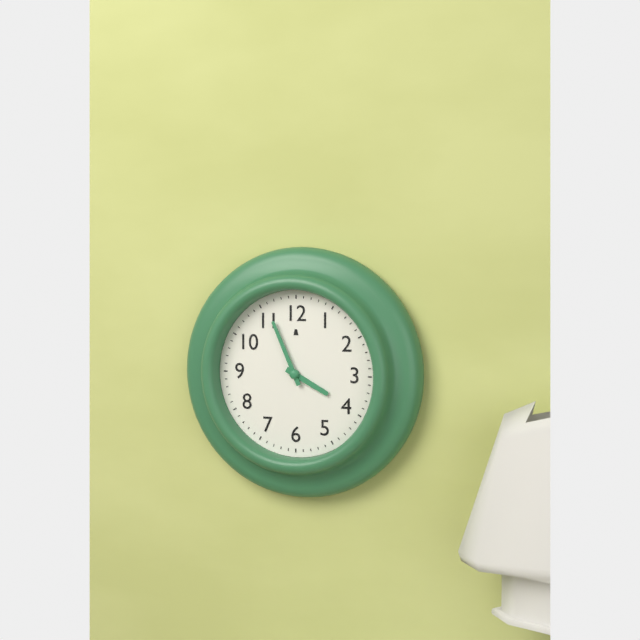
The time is h=3 m=56
